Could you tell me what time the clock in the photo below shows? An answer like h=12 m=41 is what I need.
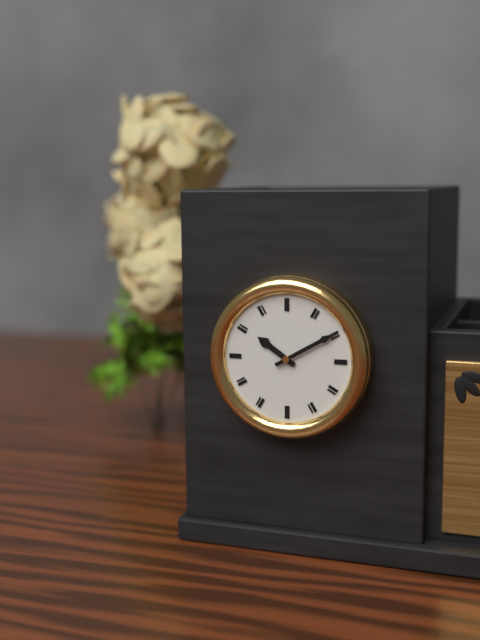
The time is h=10 m=10
